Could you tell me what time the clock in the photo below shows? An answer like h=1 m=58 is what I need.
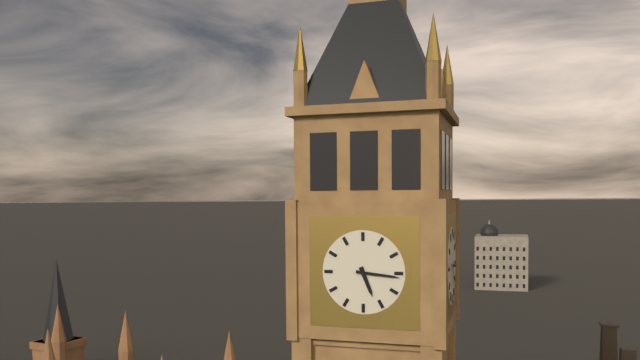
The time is h=5 m=16
